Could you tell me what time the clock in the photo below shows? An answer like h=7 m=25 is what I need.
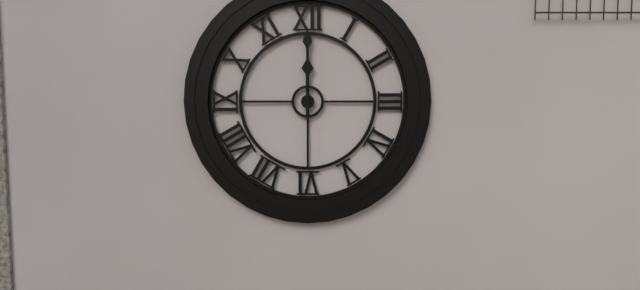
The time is h=12 m=0
